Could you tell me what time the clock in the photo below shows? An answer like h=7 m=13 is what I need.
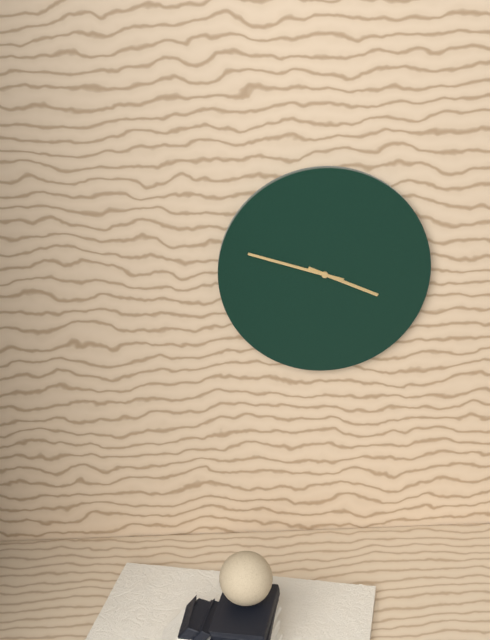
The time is h=3 m=48
